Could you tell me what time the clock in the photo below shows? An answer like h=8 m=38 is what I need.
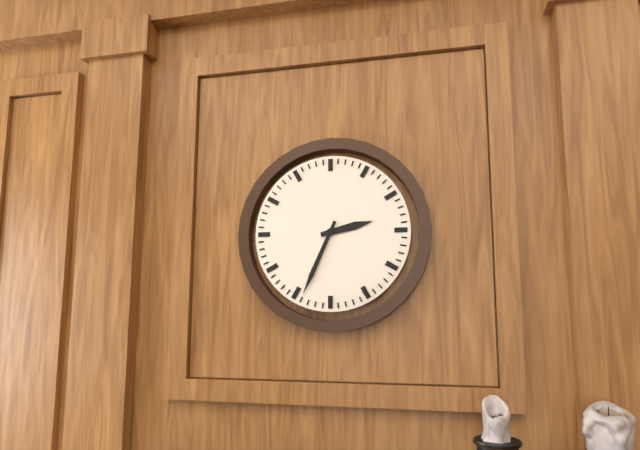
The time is h=2 m=34
